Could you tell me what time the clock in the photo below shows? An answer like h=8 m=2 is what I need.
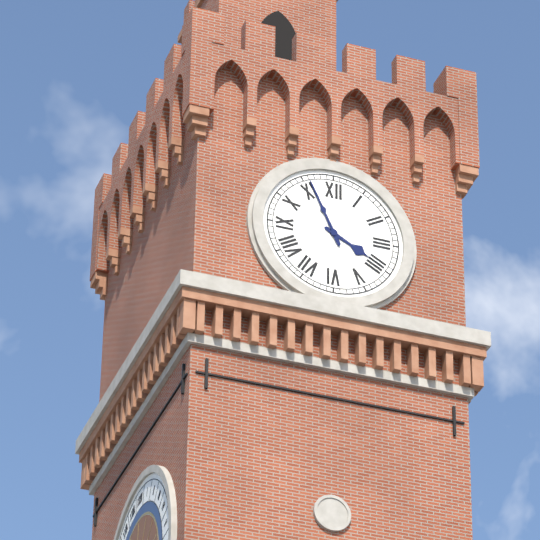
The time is h=3 m=56
